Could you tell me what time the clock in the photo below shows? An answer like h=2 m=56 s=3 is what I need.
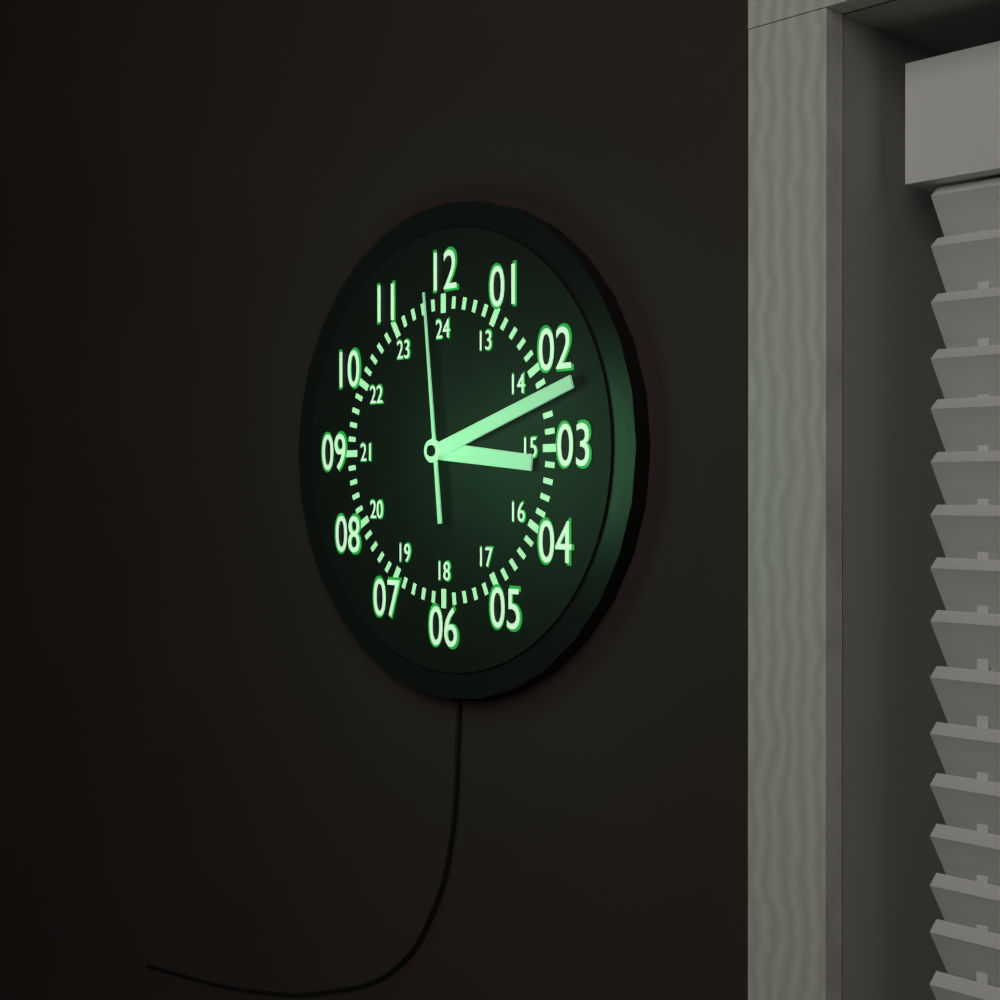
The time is h=3 m=12 s=59
